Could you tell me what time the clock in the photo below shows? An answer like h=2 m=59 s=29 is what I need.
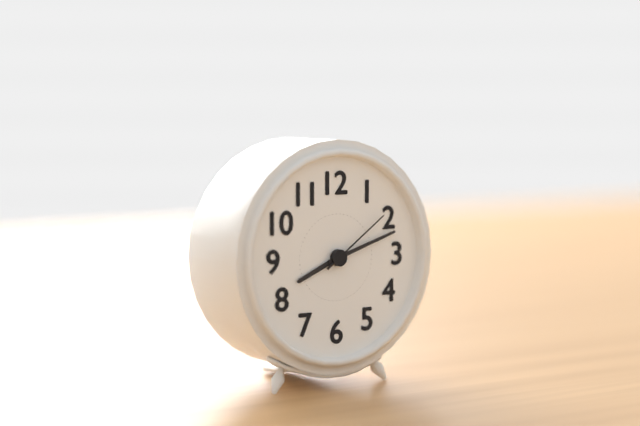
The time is h=8 m=12 s=9
